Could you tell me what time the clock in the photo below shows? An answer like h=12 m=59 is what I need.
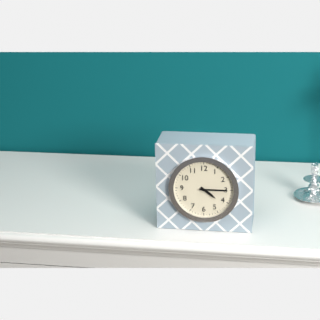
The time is h=4 m=15
